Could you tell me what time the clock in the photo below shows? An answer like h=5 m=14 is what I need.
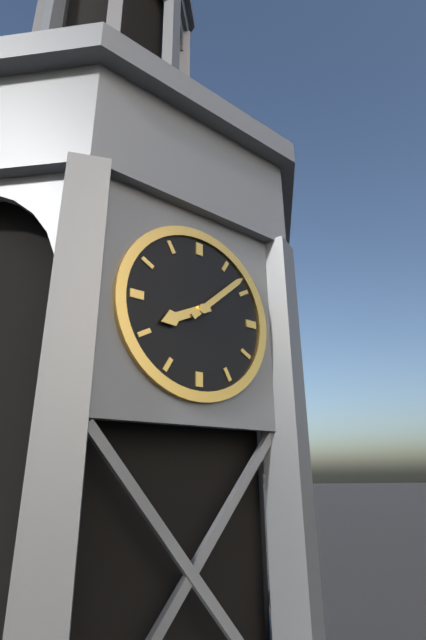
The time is h=8 m=8
